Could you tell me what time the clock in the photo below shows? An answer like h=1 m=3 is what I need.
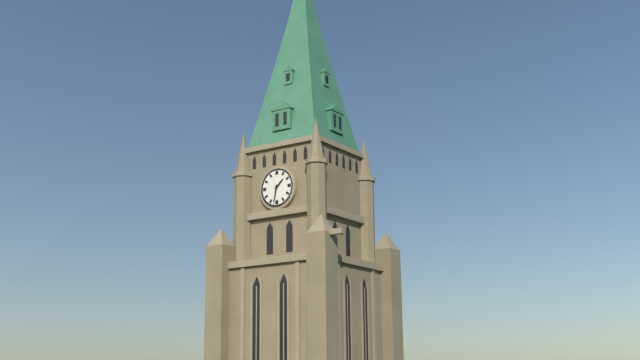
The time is h=1 m=32
